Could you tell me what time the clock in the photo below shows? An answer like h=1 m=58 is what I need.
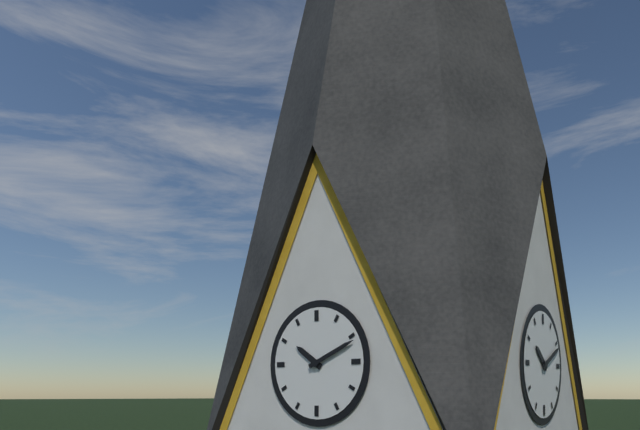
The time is h=10 m=11
